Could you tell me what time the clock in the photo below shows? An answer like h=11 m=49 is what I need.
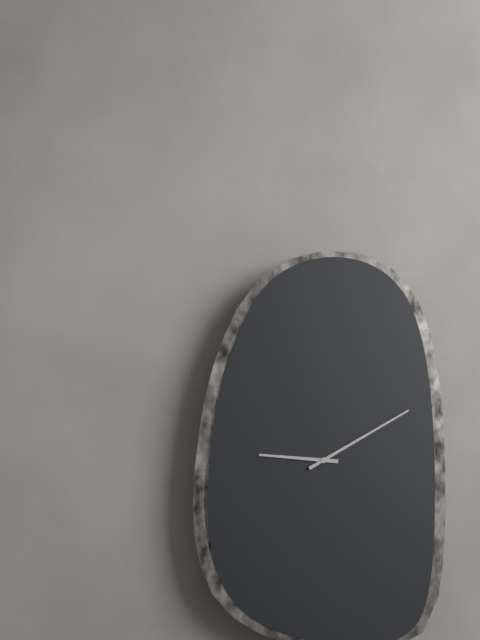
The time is h=9 m=10
